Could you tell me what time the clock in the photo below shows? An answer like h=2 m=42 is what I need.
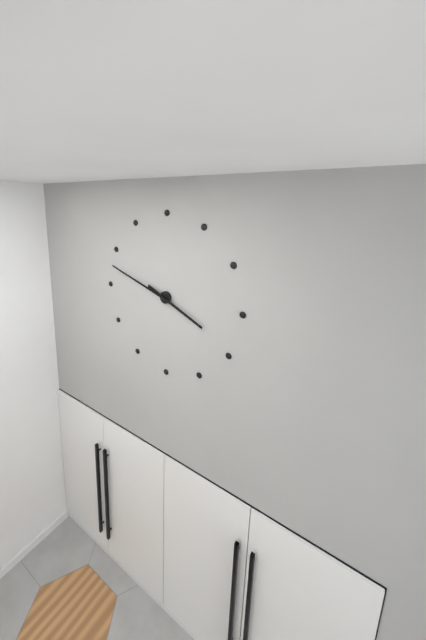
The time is h=3 m=48
